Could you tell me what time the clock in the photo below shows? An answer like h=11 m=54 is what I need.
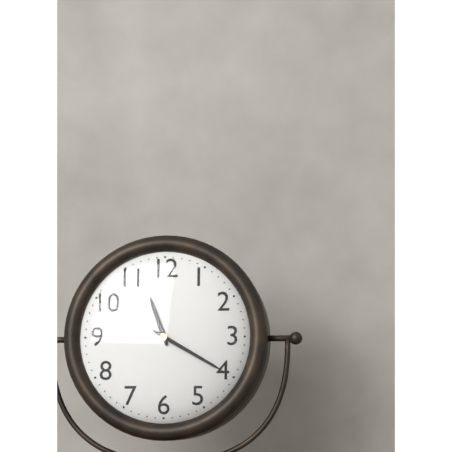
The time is h=11 m=20
